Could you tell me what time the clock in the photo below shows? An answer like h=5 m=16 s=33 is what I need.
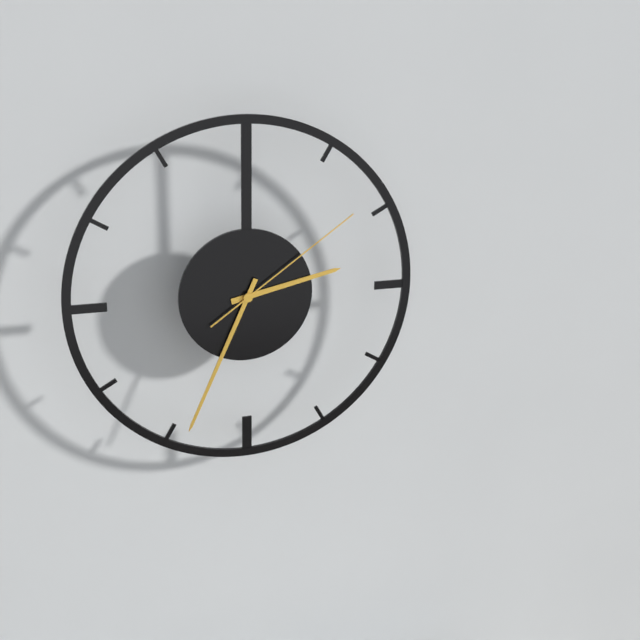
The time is h=2 m=34 s=9
